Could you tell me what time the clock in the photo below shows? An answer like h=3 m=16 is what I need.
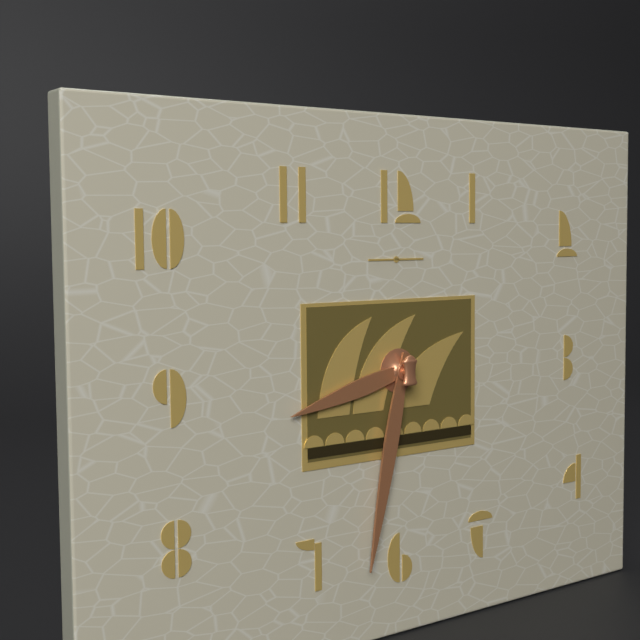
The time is h=8 m=32
